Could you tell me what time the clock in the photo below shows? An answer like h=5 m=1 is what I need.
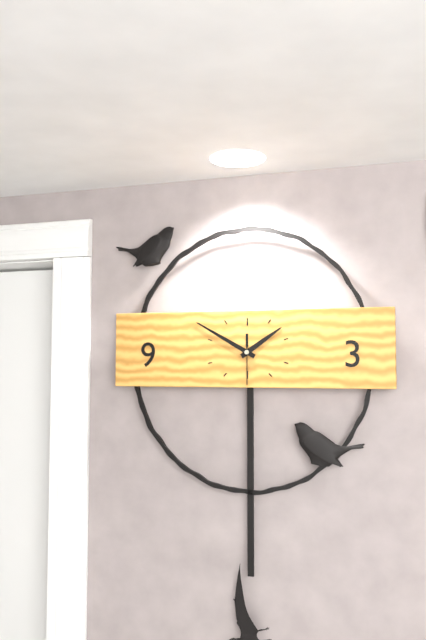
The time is h=1 m=50
